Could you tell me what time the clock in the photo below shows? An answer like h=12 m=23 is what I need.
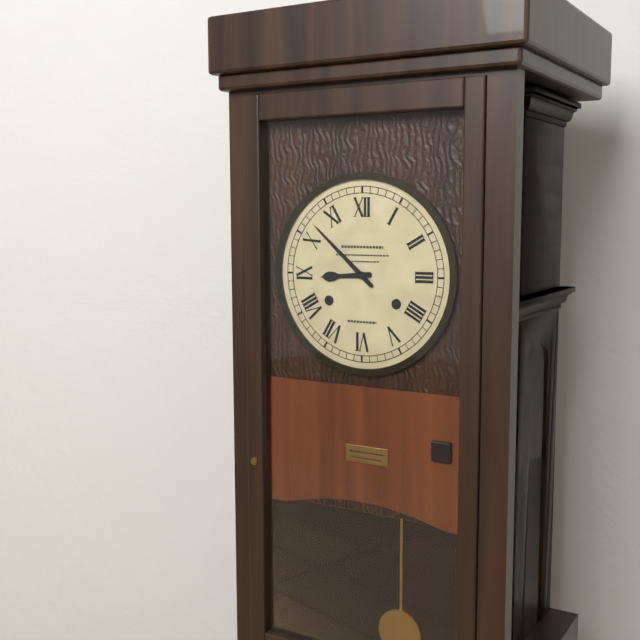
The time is h=8 m=52
